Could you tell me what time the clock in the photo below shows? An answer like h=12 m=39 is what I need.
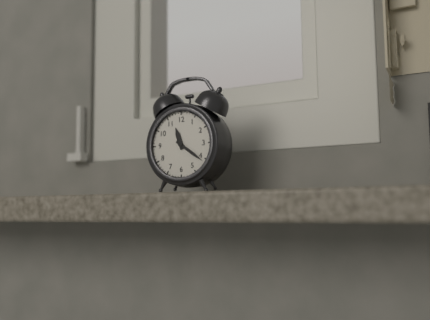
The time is h=11 m=21
